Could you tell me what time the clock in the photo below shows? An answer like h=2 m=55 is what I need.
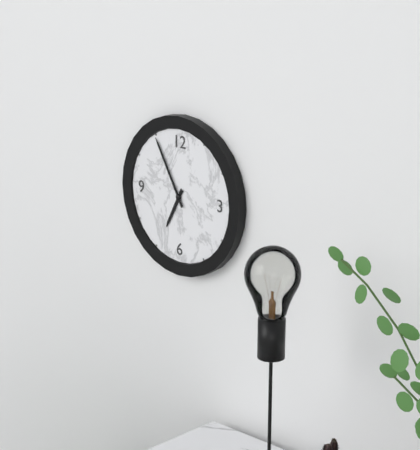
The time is h=6 m=55
